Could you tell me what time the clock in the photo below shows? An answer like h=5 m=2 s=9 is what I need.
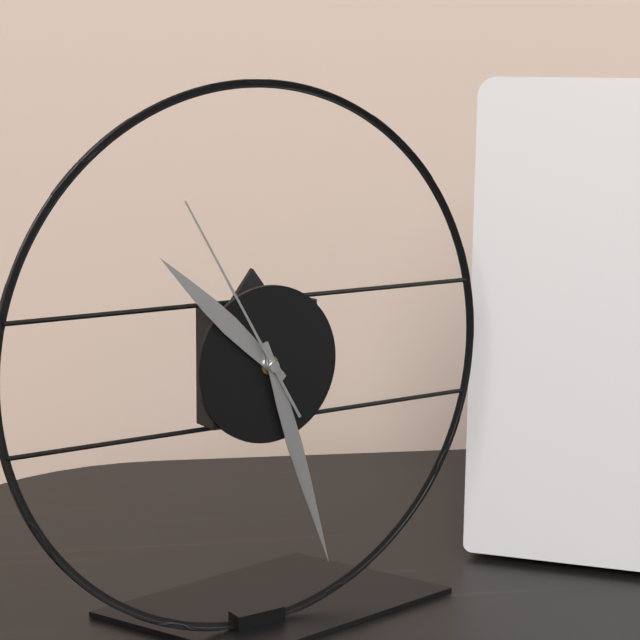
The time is h=10 m=27 s=55
